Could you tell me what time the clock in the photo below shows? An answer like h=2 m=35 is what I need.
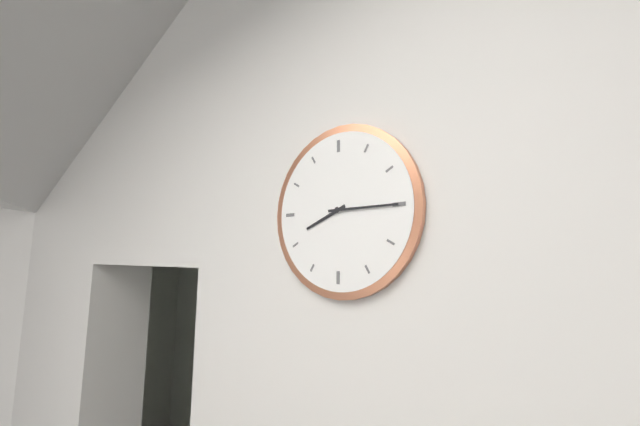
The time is h=8 m=15
